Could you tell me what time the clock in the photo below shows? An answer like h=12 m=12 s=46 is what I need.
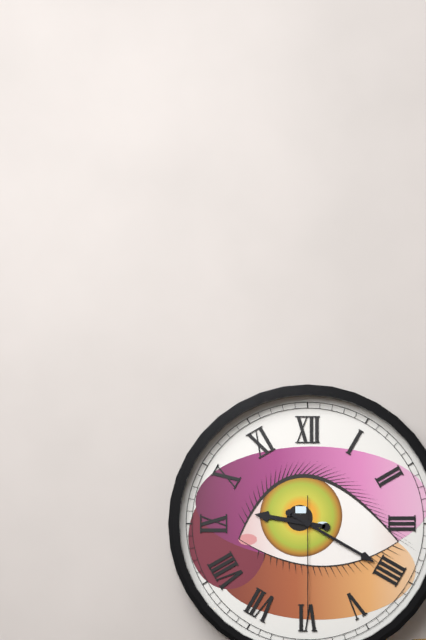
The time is h=9 m=20 s=30
